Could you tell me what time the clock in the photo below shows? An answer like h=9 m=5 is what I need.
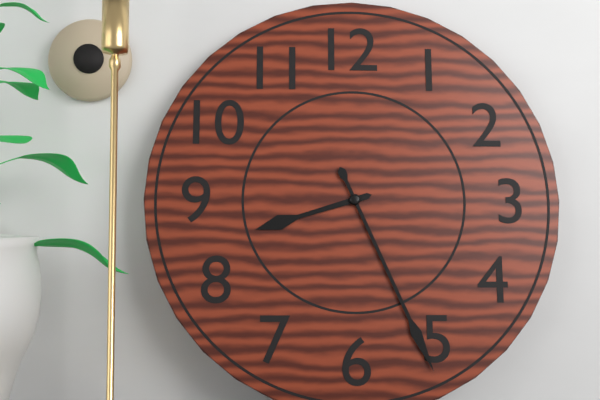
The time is h=8 m=26
